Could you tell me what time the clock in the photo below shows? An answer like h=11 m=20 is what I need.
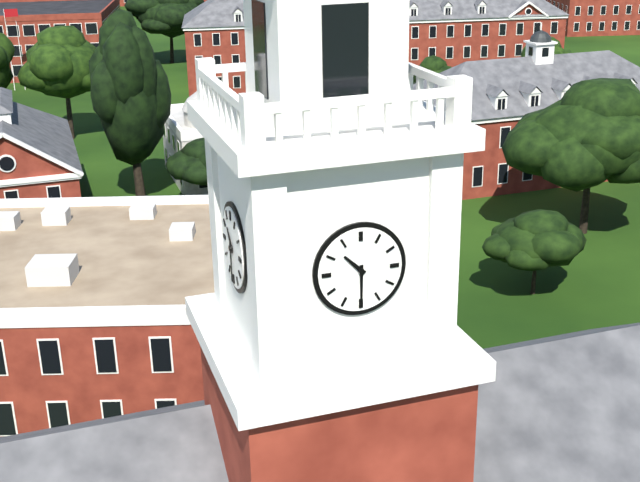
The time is h=10 m=30
